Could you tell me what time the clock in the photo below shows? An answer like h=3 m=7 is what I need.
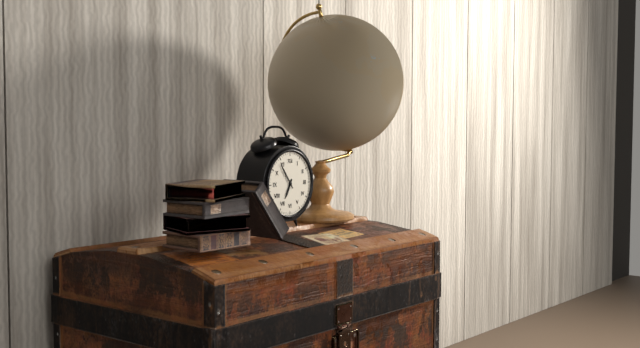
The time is h=6 m=54
